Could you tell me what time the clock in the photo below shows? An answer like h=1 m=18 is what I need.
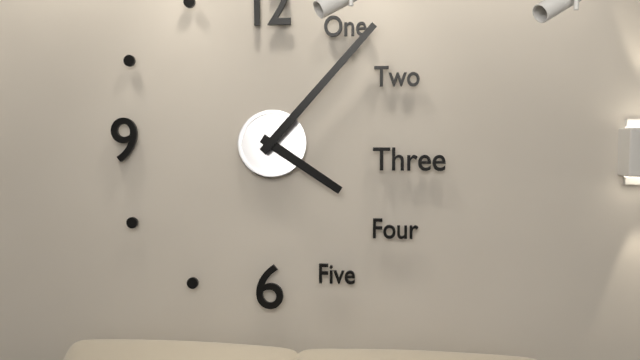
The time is h=4 m=7
